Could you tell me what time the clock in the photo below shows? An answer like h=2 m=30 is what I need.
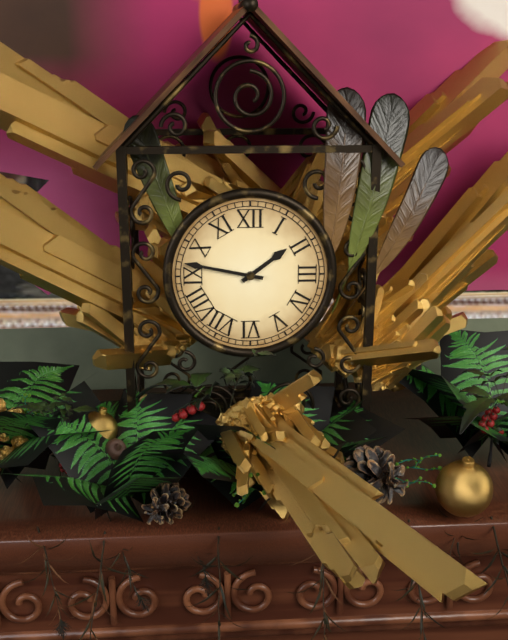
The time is h=1 m=47
